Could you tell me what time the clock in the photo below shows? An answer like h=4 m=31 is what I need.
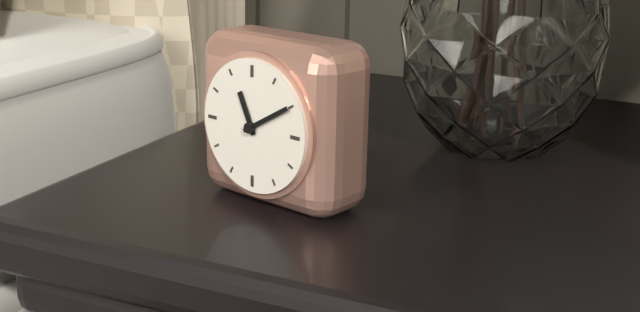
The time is h=11 m=10
